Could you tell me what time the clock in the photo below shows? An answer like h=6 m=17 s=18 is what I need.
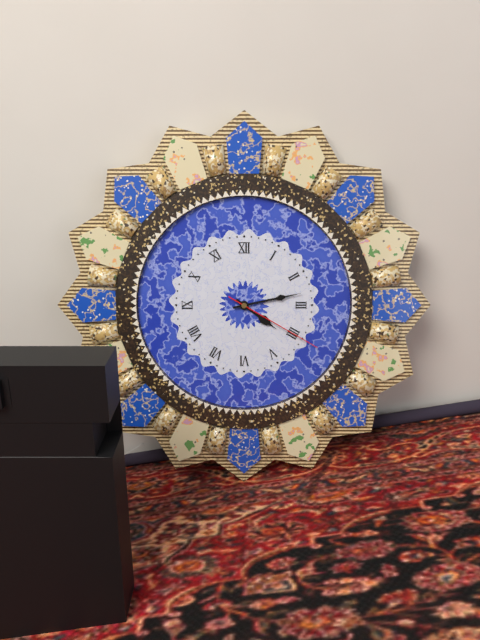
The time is h=4 m=13 s=20
